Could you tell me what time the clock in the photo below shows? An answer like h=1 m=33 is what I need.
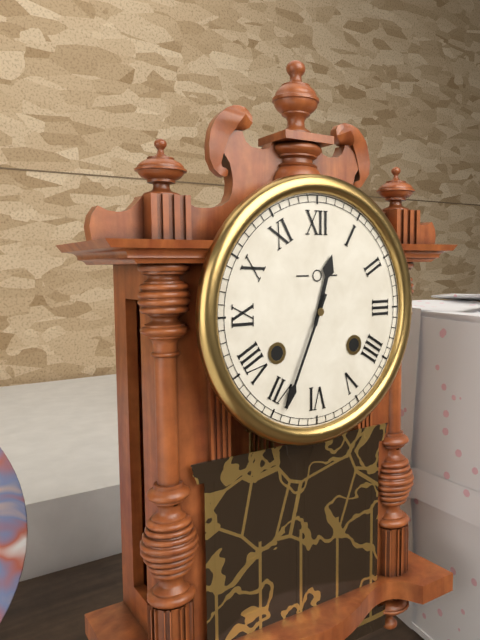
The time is h=12 m=34
